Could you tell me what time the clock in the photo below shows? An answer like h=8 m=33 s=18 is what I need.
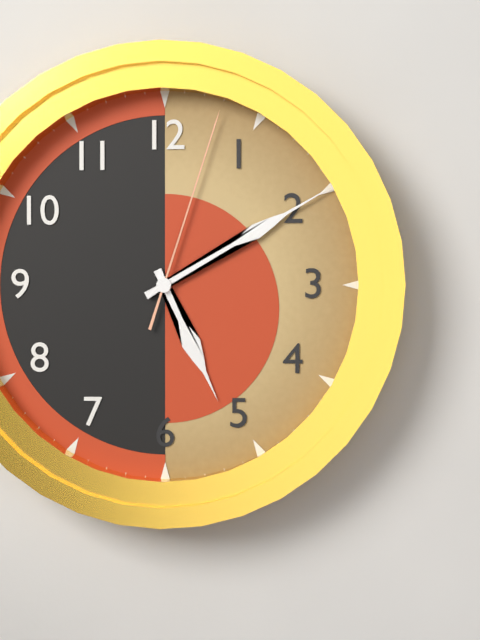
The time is h=5 m=10 s=3
